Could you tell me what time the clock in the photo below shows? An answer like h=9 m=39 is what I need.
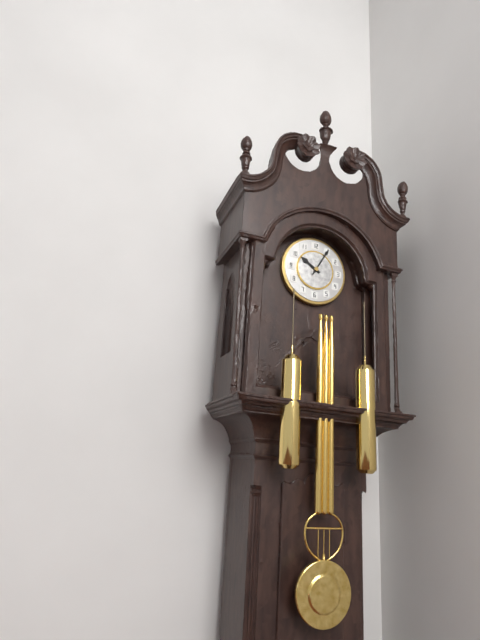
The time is h=10 m=5
